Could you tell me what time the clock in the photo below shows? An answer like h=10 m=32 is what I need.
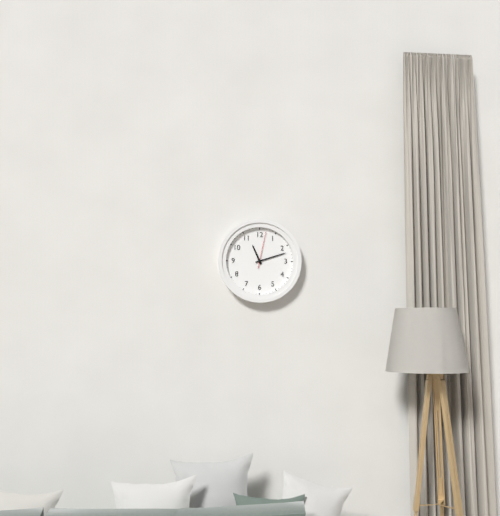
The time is h=11 m=12
